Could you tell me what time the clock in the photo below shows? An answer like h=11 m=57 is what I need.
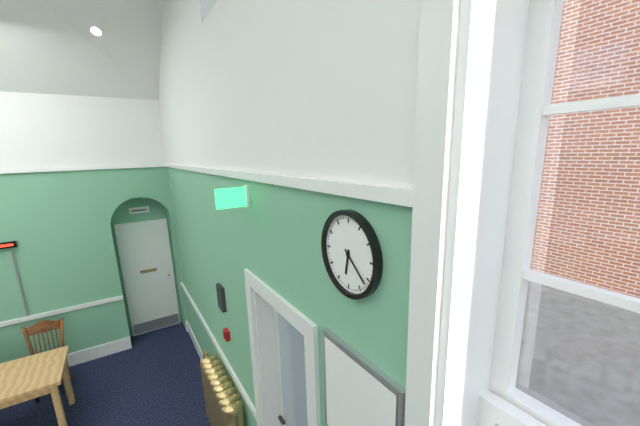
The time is h=6 m=22
